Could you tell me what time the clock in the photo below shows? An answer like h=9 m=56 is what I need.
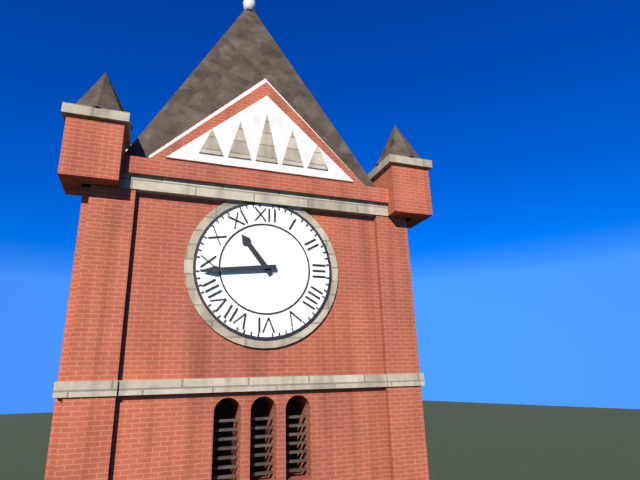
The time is h=10 m=44
